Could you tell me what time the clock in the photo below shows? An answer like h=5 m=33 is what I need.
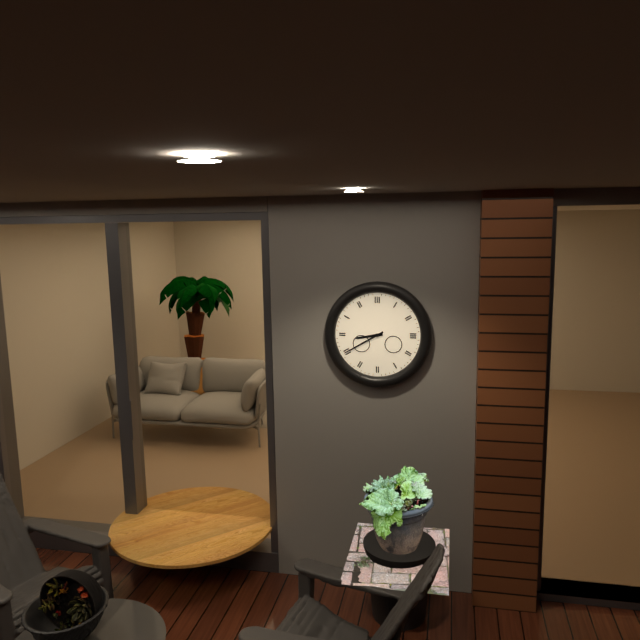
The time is h=8 m=40
